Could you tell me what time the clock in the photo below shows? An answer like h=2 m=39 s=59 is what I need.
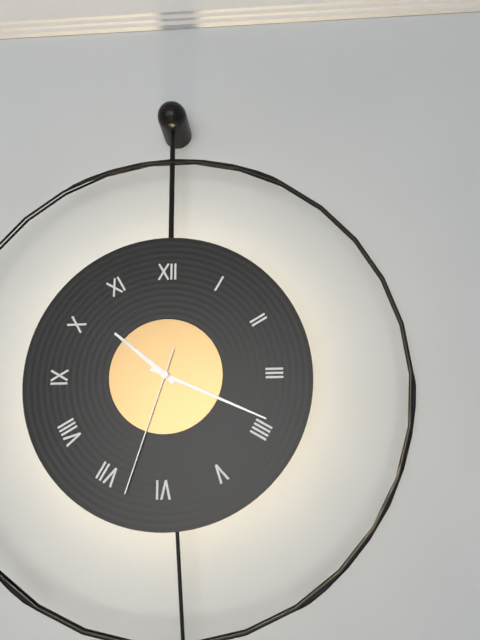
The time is h=10 m=19 s=33
